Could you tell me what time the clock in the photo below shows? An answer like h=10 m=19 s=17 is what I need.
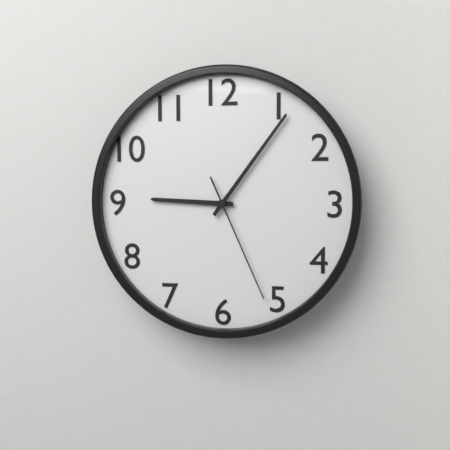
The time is h=9 m=6 s=26
